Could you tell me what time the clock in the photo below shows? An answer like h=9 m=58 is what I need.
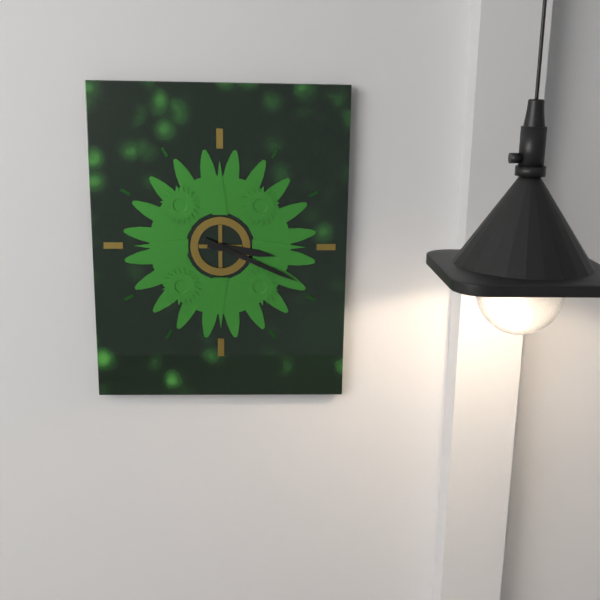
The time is h=3 m=19
